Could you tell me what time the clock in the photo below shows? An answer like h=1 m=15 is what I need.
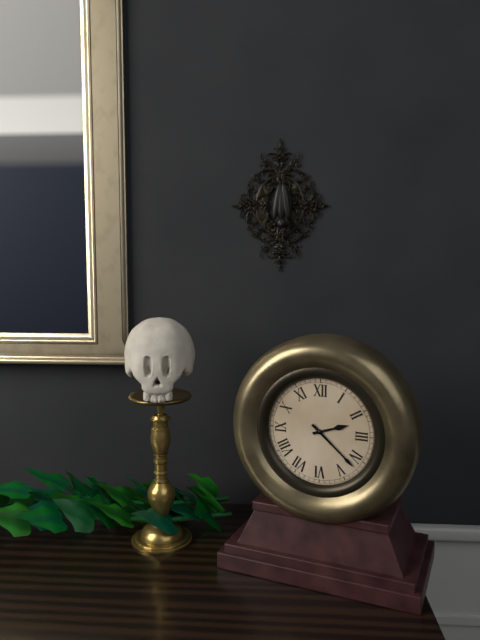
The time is h=2 m=22
